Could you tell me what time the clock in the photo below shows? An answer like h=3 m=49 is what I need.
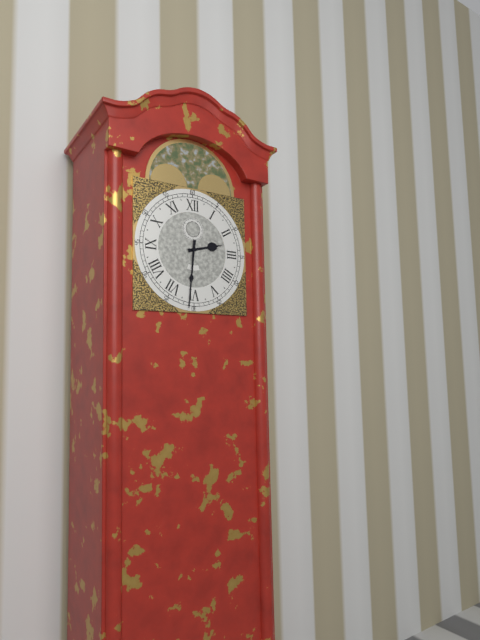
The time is h=2 m=31
